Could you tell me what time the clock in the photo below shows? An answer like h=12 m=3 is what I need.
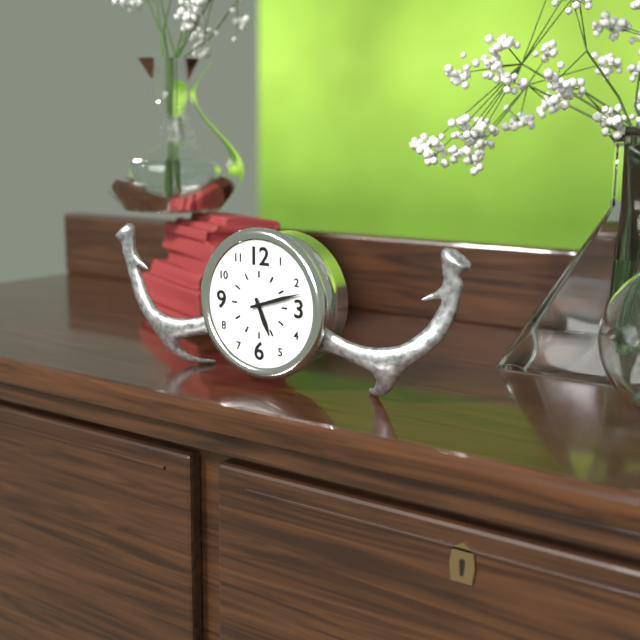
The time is h=5 m=12
